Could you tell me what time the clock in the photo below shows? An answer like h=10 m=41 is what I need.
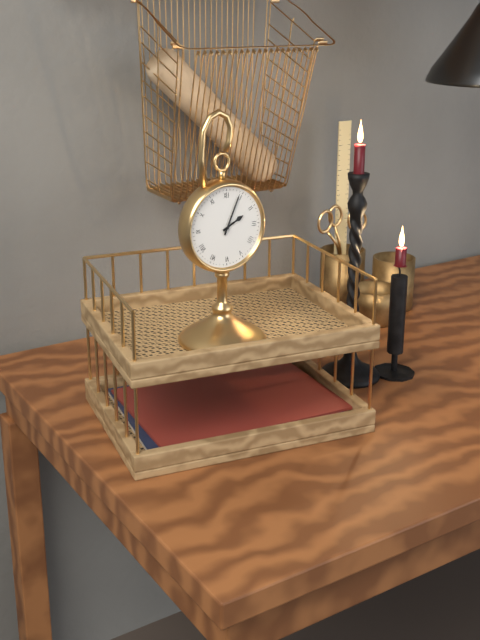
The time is h=2 m=4
